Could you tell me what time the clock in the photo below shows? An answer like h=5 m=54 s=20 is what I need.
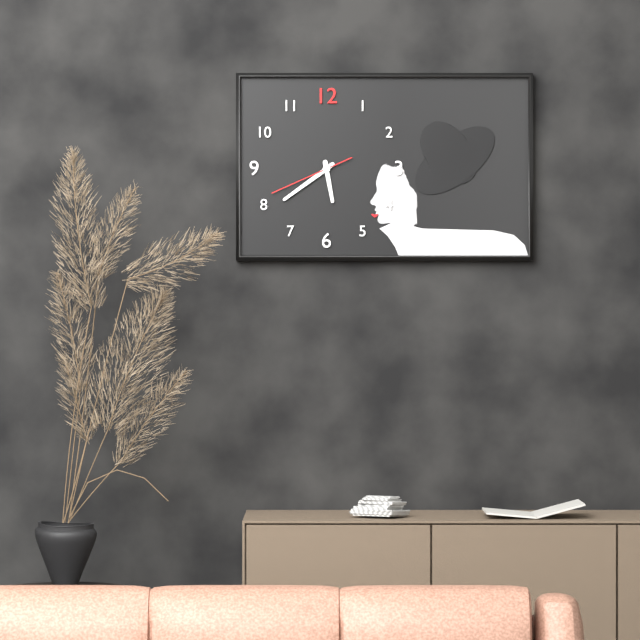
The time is h=5 m=39 s=41
